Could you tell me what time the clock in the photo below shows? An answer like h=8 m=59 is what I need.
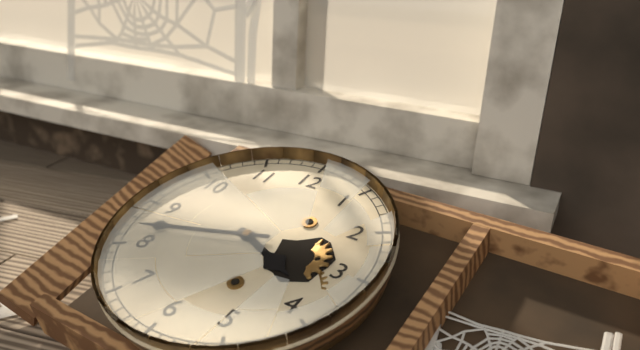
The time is h=3 m=42
